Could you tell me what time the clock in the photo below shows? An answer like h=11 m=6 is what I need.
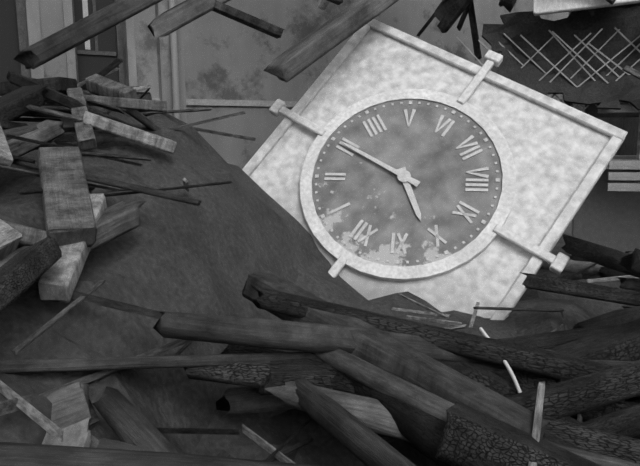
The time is h=10 m=15
